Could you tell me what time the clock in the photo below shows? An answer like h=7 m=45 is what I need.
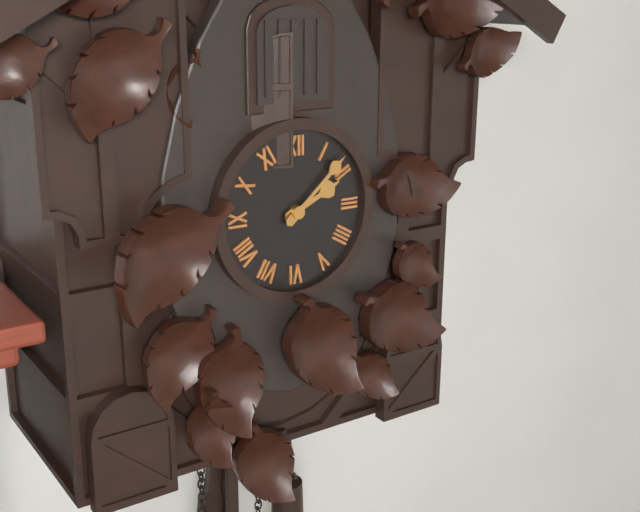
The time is h=2 m=8
